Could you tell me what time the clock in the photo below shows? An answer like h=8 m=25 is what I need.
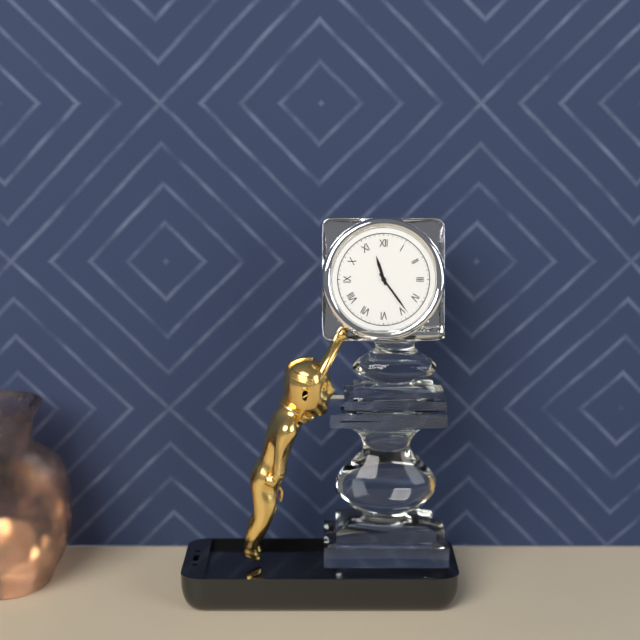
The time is h=11 m=24
